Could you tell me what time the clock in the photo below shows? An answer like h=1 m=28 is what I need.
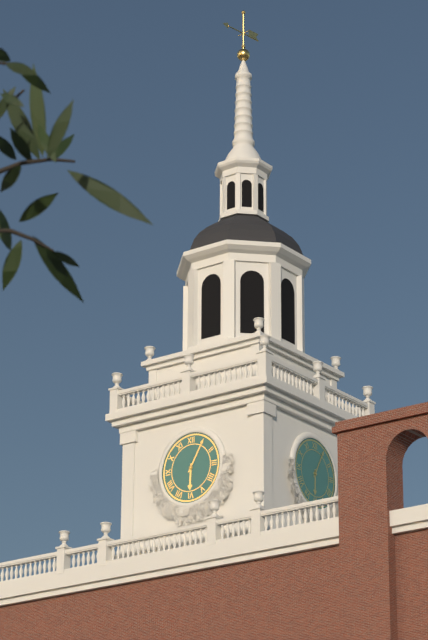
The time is h=6 m=5
